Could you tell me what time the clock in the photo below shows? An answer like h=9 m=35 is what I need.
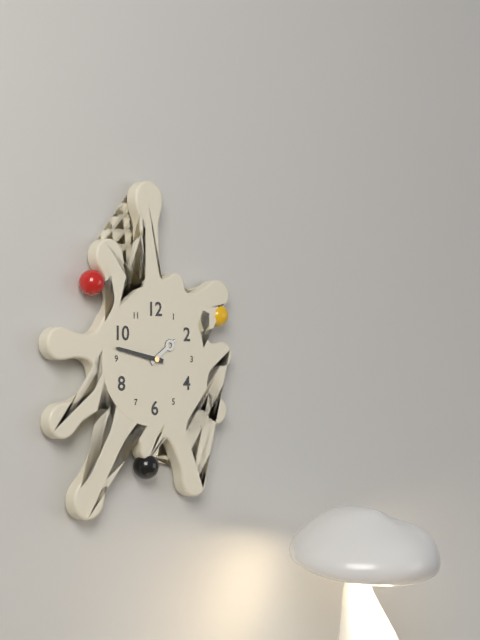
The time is h=1 m=47
